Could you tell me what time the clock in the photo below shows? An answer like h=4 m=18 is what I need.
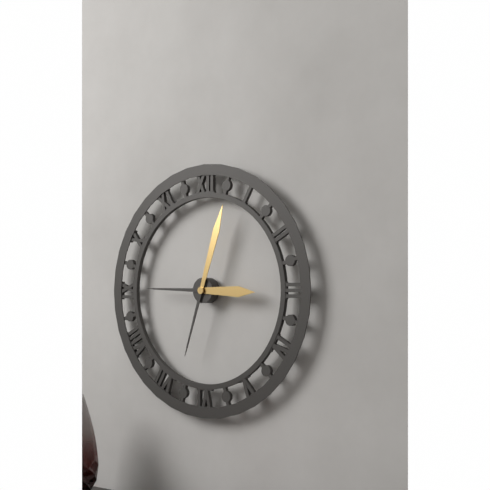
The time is h=3 m=3
